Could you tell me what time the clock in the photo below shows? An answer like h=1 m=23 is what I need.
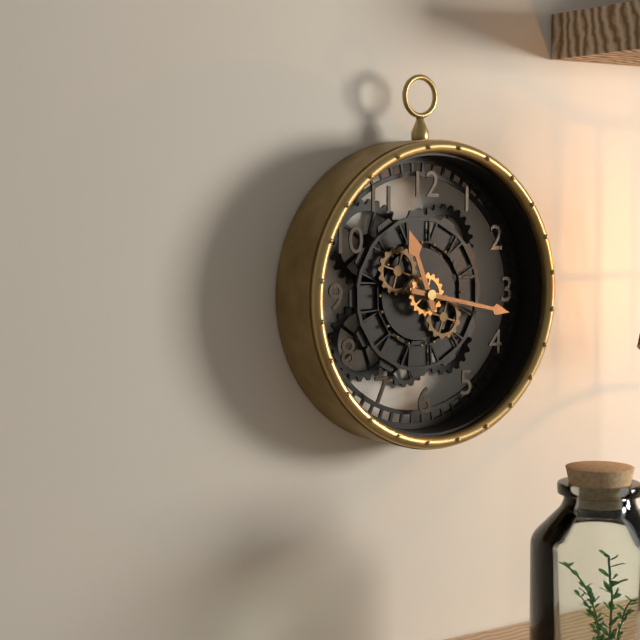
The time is h=11 m=17
